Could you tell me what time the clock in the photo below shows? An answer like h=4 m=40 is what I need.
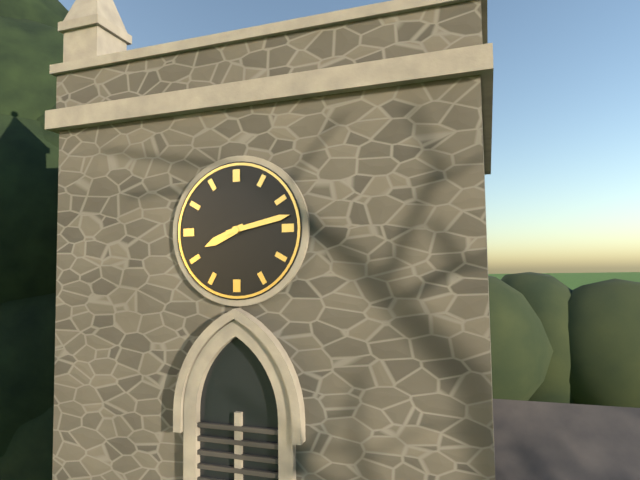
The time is h=8 m=13
